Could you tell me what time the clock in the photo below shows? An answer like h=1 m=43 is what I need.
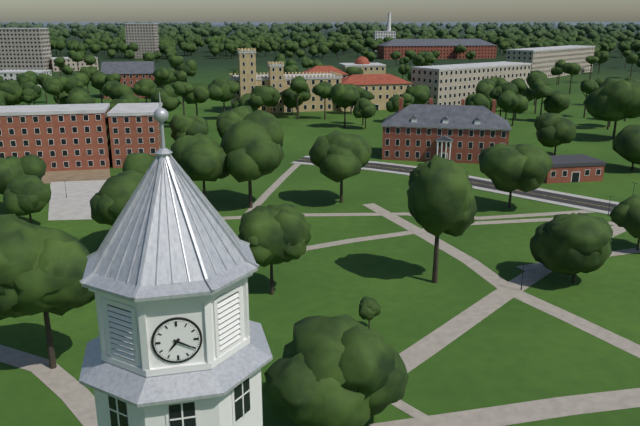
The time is h=7 m=20
